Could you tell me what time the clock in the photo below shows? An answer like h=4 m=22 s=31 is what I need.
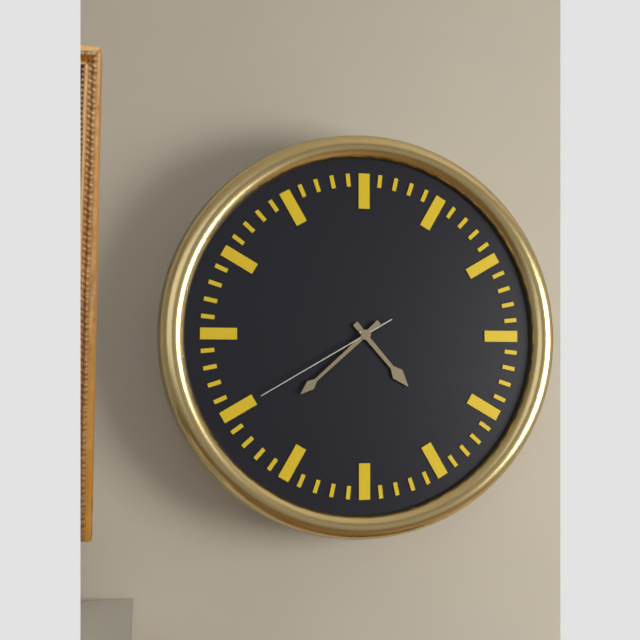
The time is h=4 m=38 s=40
